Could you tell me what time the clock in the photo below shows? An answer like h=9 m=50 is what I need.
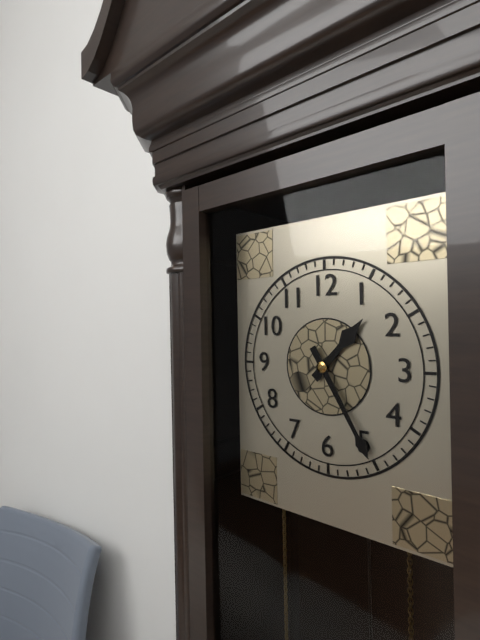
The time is h=1 m=25
